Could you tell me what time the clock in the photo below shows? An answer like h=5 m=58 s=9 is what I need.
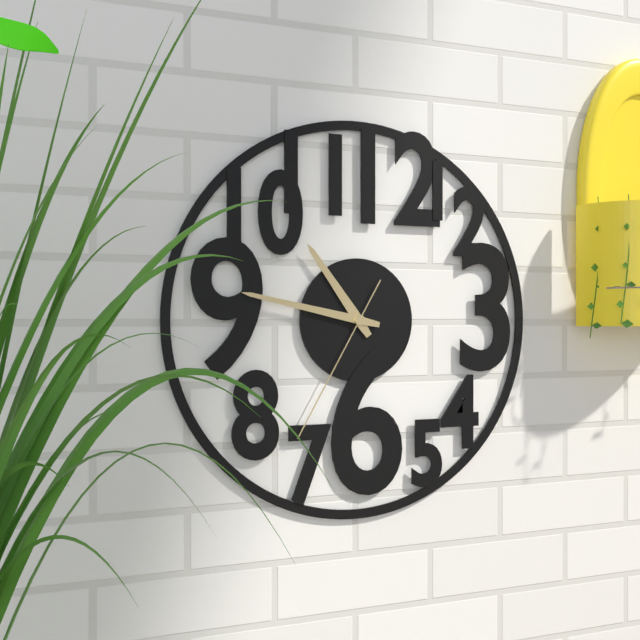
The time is h=10 m=47 s=35
